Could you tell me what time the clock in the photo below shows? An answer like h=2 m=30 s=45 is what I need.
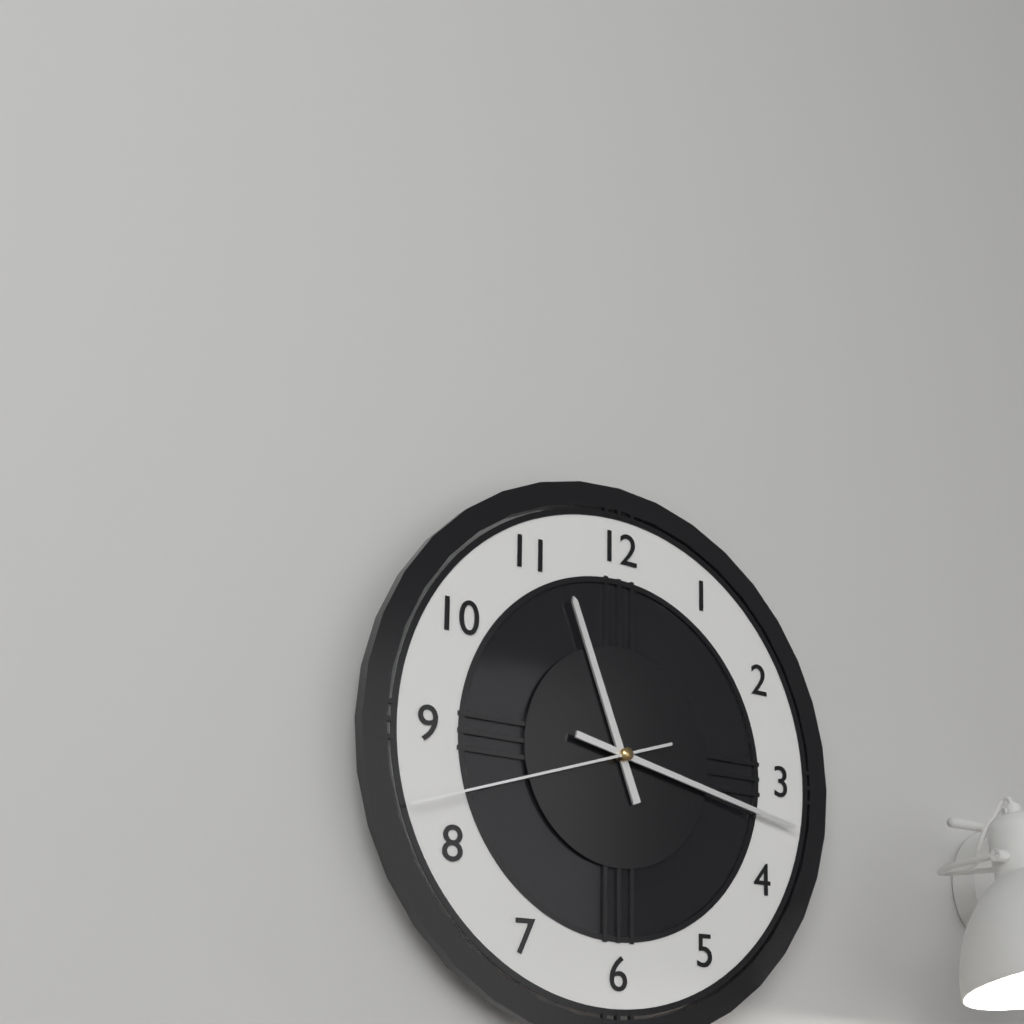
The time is h=11 m=17 s=42
